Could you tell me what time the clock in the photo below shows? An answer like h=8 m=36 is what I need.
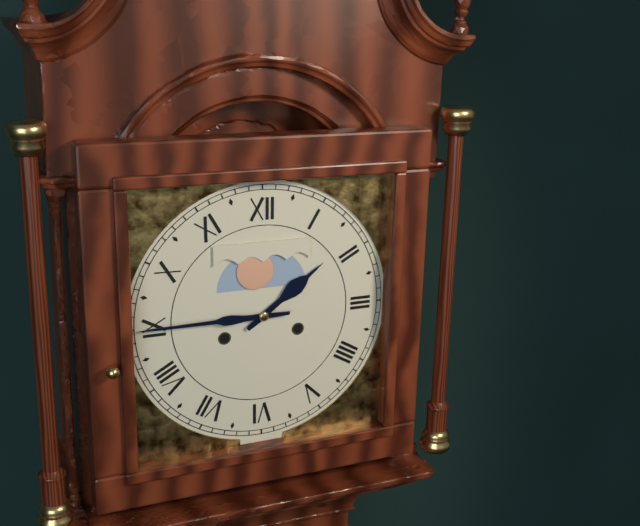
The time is h=1 m=45
